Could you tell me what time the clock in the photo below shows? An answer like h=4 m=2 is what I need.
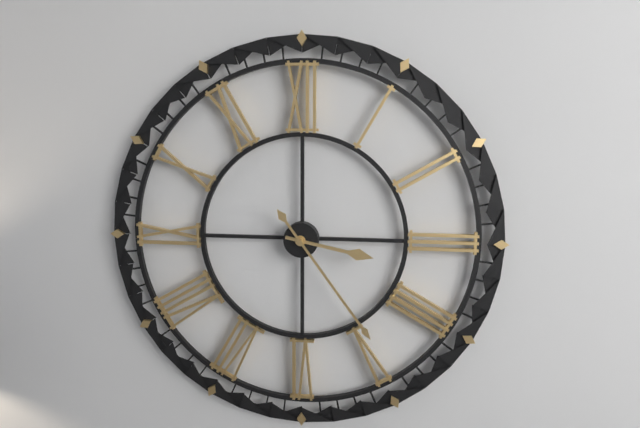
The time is h=3 m=24
